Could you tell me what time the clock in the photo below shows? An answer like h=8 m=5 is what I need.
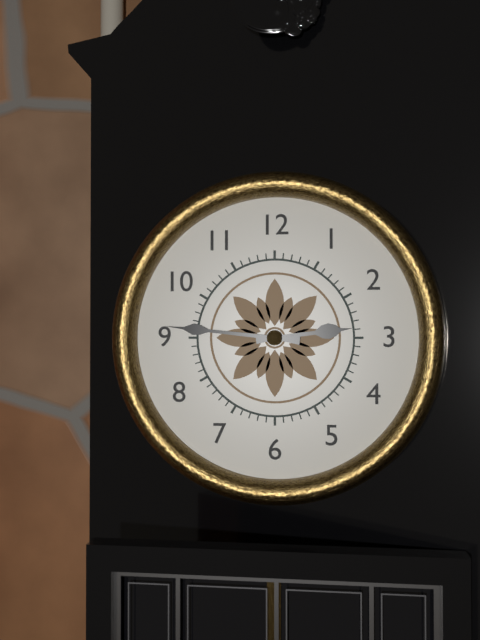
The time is h=2 m=46
